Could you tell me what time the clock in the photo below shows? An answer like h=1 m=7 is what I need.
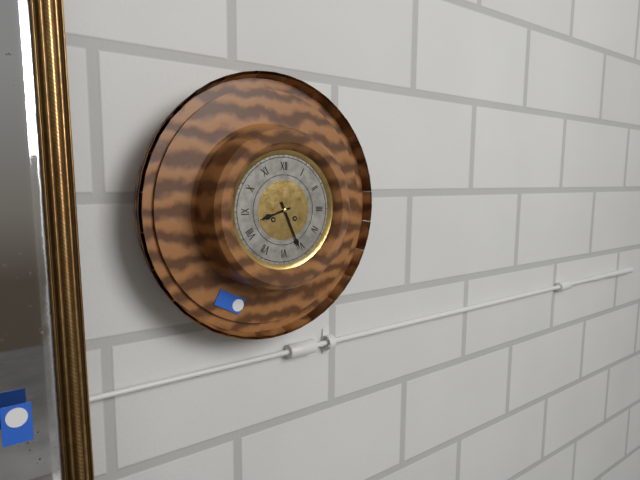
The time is h=8 m=26
